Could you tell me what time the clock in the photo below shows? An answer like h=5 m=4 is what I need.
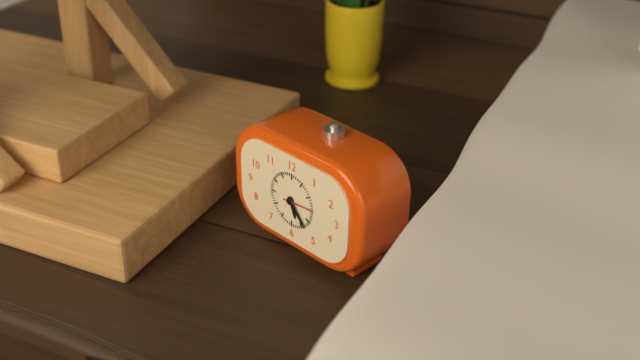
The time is h=5 m=23
